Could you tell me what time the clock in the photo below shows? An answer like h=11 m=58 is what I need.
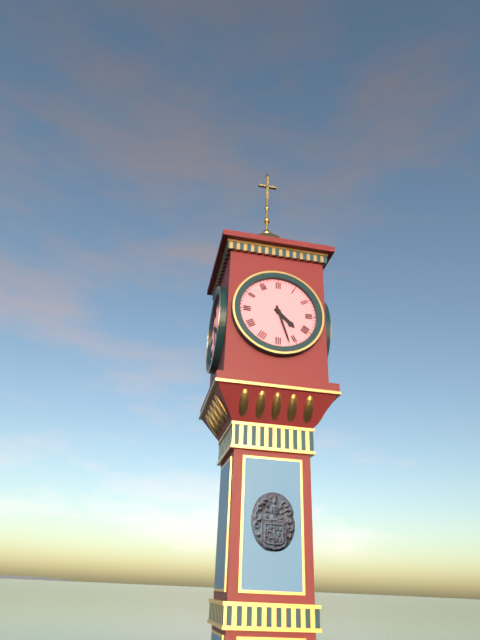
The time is h=4 m=27
